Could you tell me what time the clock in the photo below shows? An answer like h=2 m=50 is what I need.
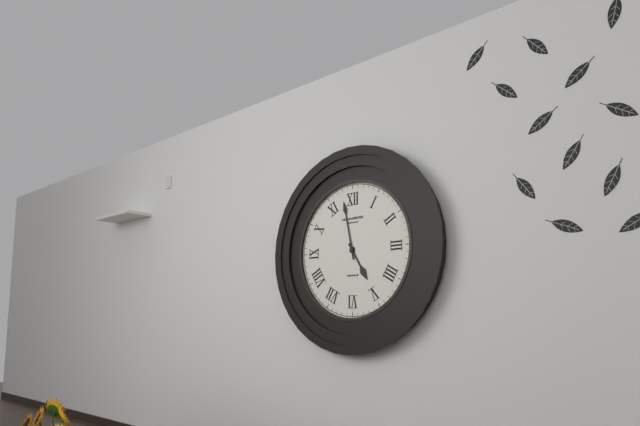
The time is h=4 m=58
